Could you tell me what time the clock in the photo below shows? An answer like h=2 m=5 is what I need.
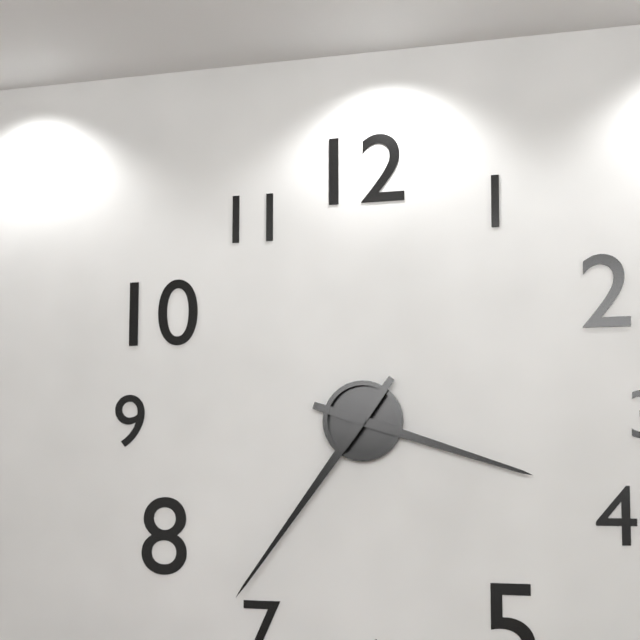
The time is h=3 m=36
